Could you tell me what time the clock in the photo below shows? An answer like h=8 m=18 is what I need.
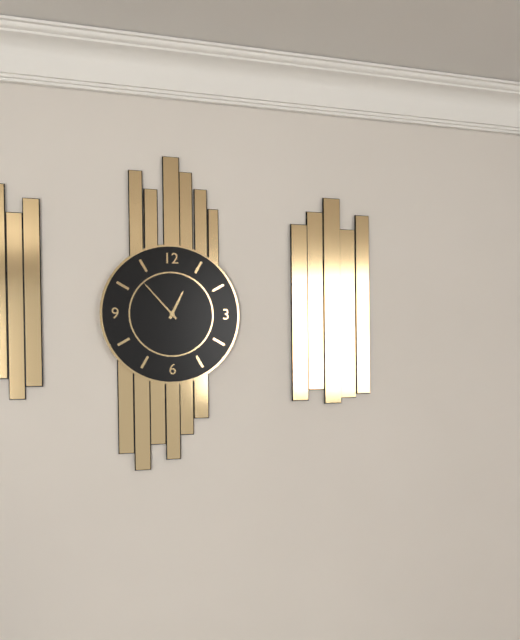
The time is h=12 m=53
